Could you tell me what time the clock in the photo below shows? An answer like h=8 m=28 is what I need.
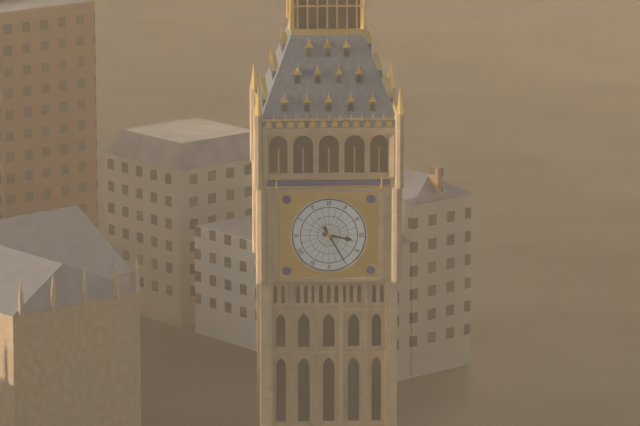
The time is h=3 m=25
